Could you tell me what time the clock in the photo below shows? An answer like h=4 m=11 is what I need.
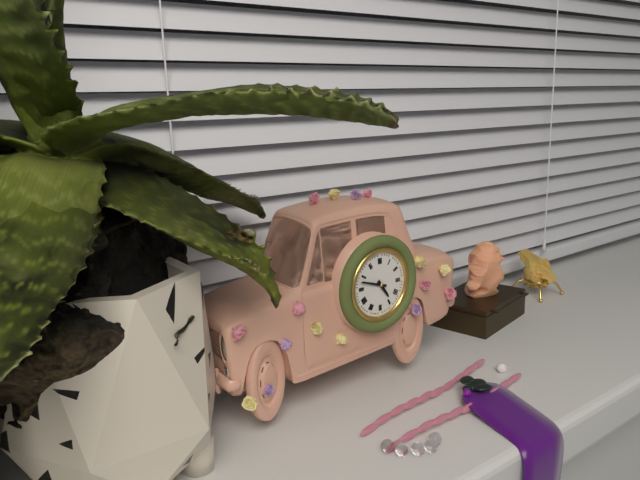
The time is h=4 m=48
